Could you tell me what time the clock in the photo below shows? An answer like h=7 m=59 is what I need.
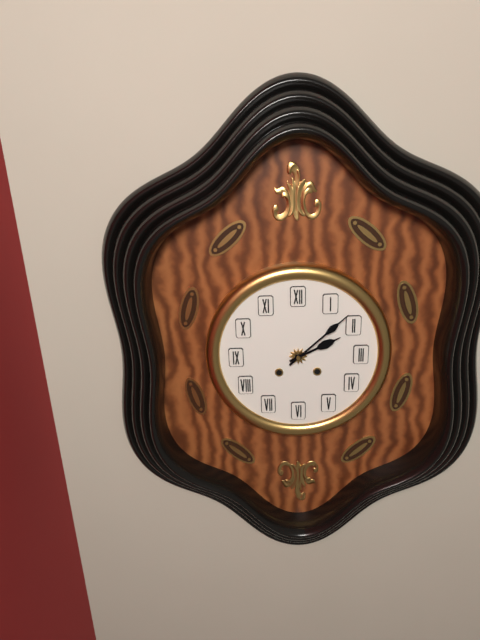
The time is h=2 m=8
